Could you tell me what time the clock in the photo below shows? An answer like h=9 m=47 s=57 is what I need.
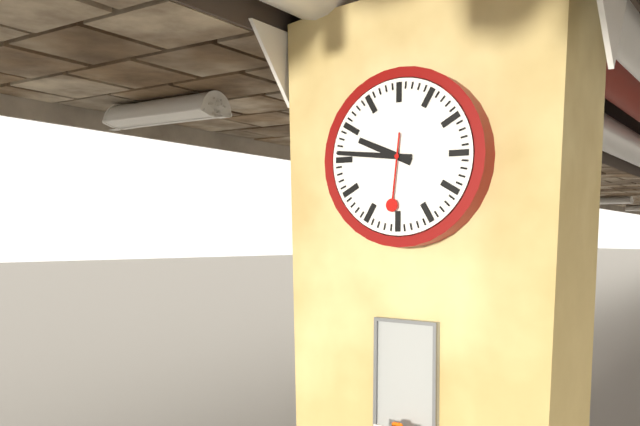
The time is h=9 m=46 s=31
